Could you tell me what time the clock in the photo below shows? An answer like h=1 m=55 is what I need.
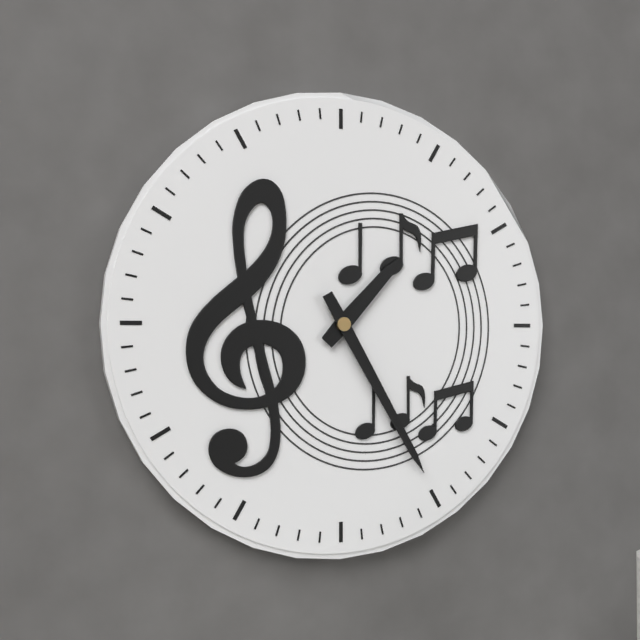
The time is h=1 m=25
